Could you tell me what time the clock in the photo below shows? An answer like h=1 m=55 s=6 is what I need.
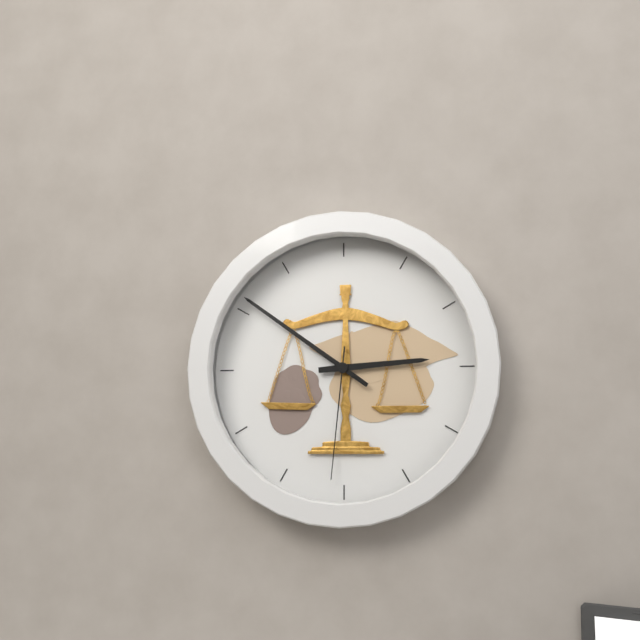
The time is h=2 m=51 s=31
